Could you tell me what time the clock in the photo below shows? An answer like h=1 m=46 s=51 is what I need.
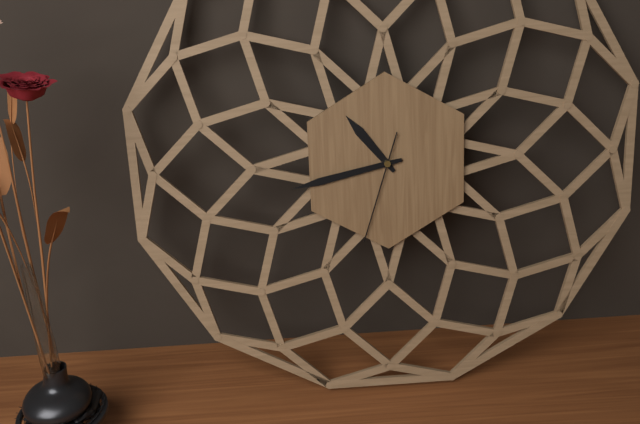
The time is h=10 m=43 s=33
